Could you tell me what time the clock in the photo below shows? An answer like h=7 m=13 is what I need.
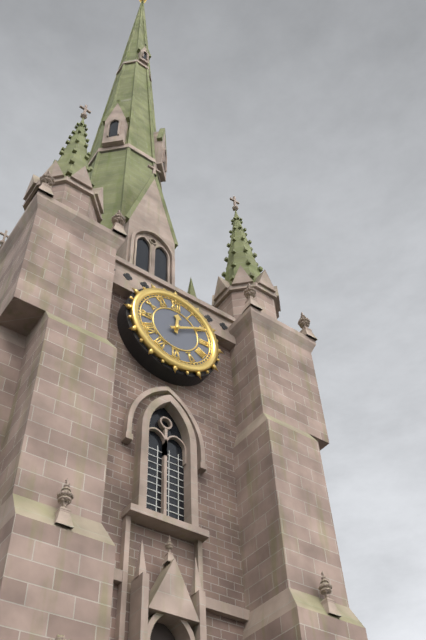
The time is h=12 m=10
